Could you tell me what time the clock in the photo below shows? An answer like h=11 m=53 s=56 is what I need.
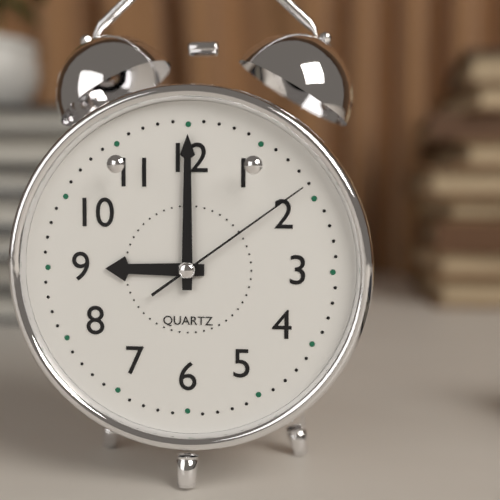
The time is h=9 m=0 s=9
